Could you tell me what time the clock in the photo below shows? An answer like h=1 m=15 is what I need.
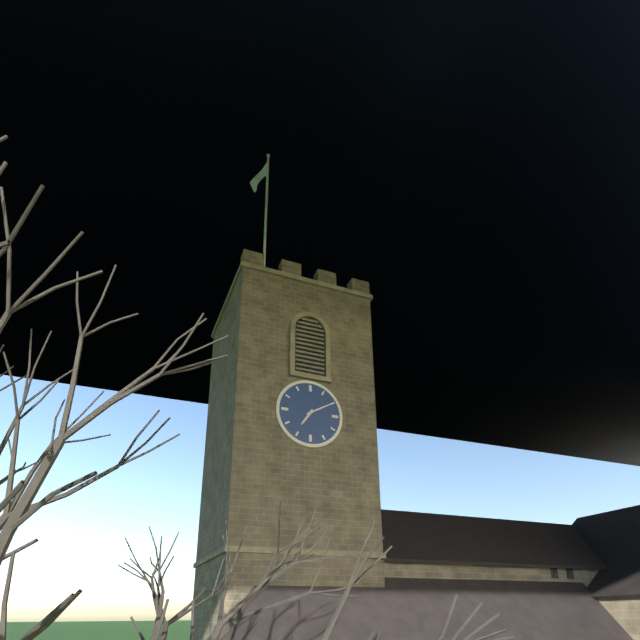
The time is h=7 m=10
